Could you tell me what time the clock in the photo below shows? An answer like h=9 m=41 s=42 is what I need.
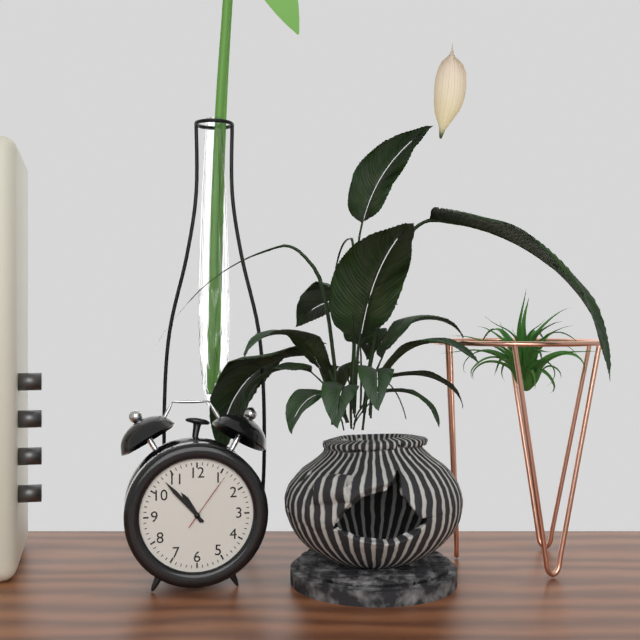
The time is h=10 m=53 s=6
